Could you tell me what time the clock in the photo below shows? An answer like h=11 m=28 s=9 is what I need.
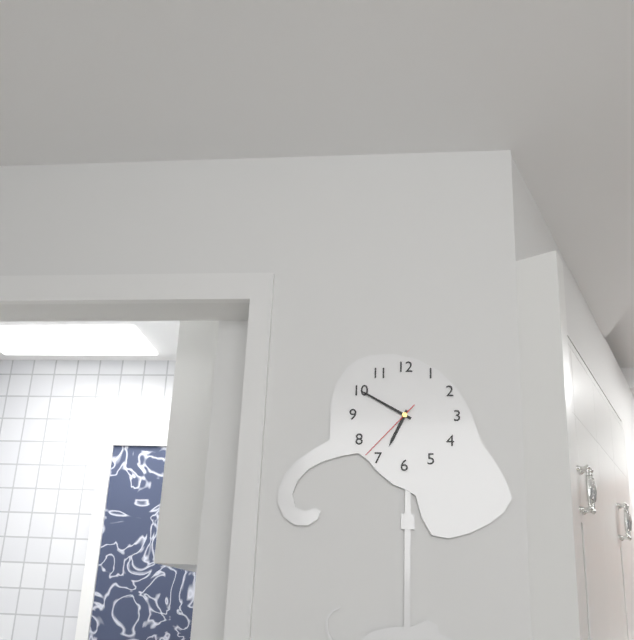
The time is h=6 m=50 s=37
